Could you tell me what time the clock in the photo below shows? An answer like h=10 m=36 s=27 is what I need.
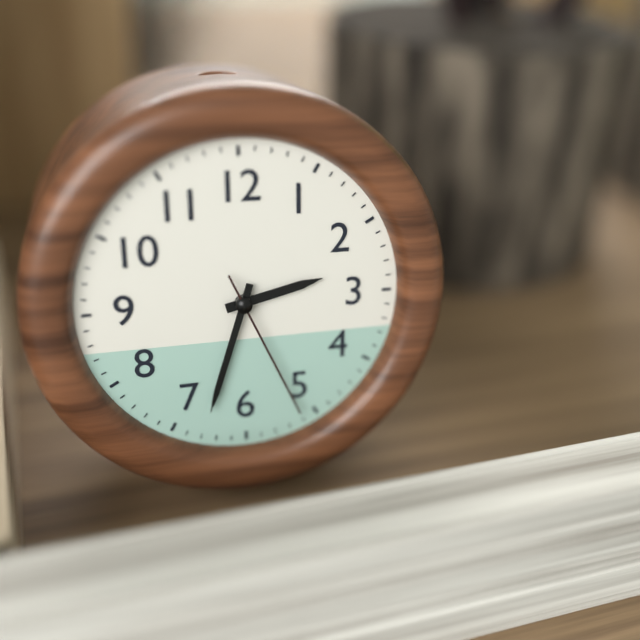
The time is h=2 m=33 s=26
